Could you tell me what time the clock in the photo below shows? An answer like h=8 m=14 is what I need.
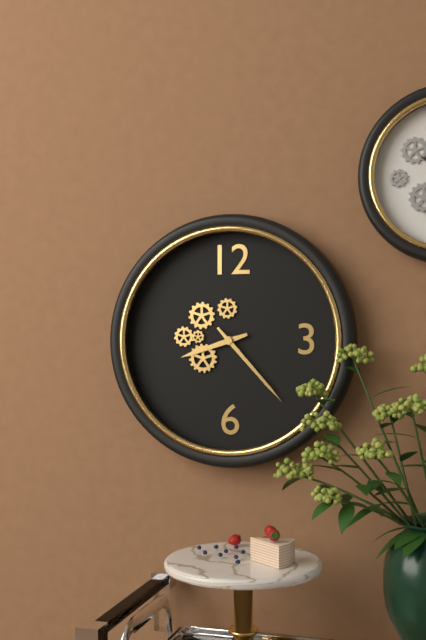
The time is h=8 m=23
